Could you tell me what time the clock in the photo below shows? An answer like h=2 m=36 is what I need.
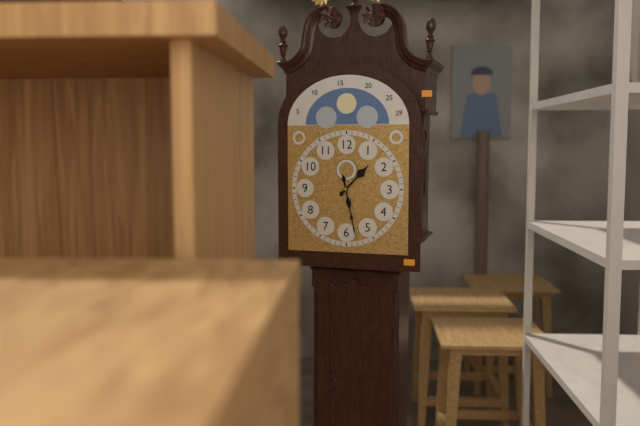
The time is h=1 m=28
